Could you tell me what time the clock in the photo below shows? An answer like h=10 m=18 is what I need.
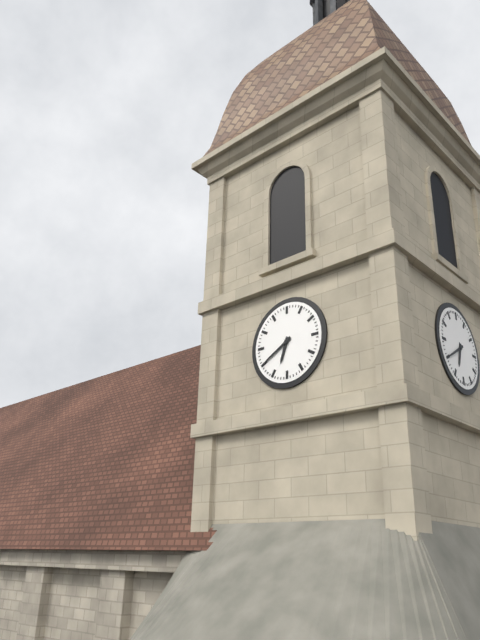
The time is h=6 m=40
